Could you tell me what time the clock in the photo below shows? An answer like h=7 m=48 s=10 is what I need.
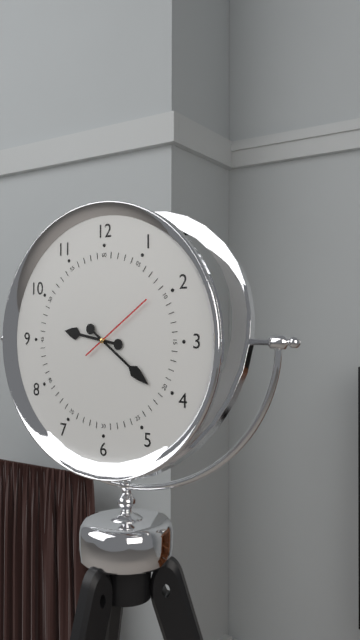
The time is h=9 m=21 s=9
